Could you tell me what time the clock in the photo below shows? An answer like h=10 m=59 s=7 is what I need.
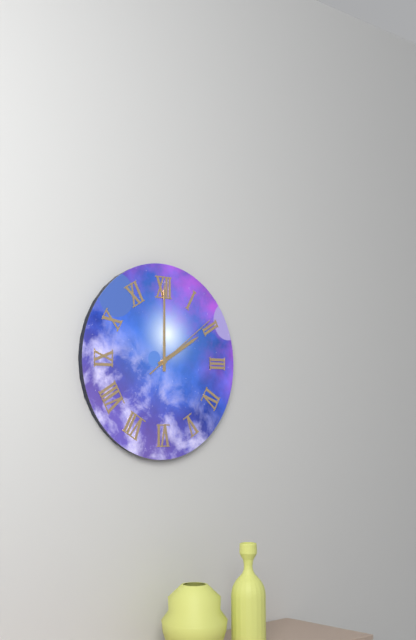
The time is h=2 m=0 s=9
